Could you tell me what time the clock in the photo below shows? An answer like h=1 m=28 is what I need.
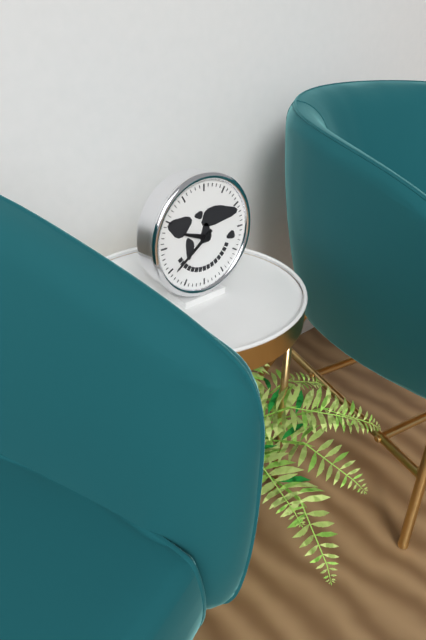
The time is h=9 m=39
